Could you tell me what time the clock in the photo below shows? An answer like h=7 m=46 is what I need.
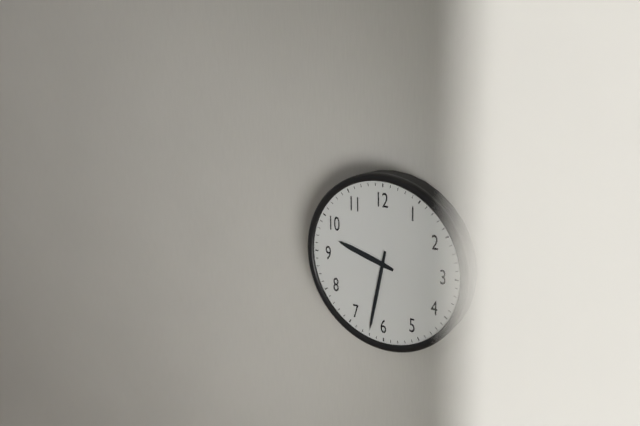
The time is h=9 m=32
